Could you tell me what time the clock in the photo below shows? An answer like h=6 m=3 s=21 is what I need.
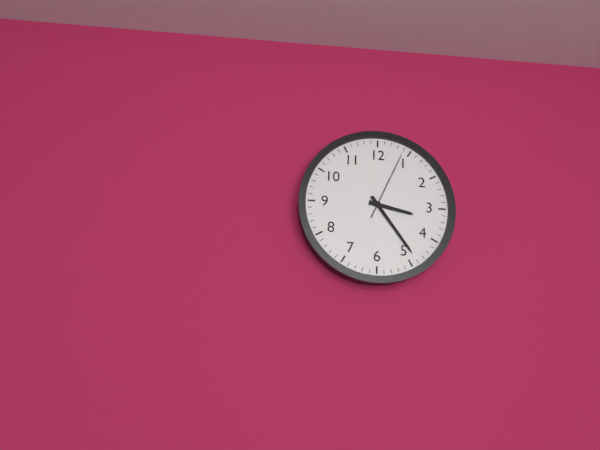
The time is h=3 m=24 s=4
